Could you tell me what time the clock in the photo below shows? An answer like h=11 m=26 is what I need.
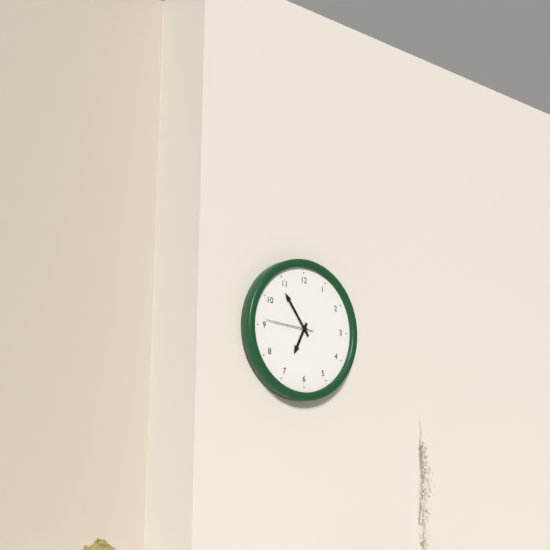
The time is h=6 m=54
